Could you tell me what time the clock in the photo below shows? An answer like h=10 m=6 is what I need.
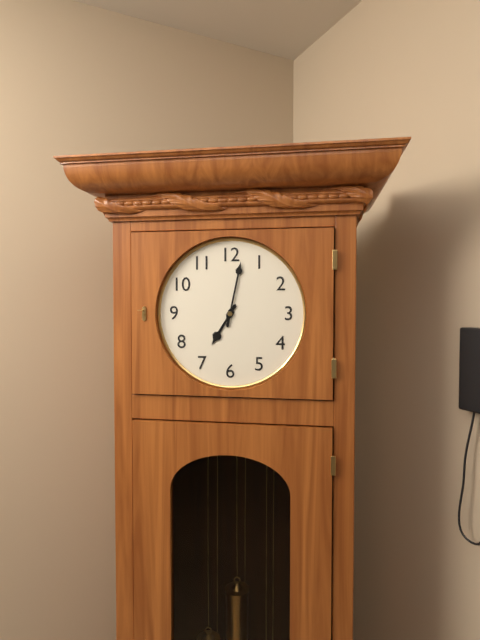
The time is h=7 m=2
